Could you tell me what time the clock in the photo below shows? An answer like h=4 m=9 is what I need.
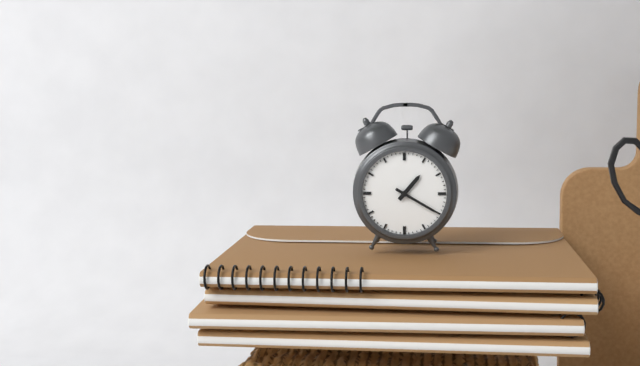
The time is h=1 m=20
